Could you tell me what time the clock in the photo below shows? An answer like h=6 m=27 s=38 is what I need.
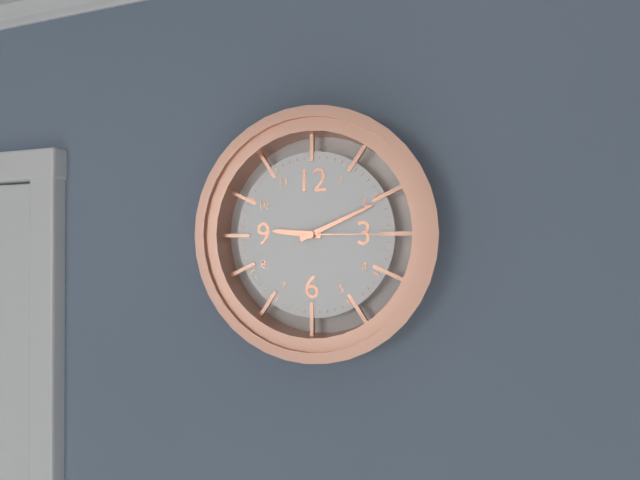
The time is h=9 m=11 s=15
